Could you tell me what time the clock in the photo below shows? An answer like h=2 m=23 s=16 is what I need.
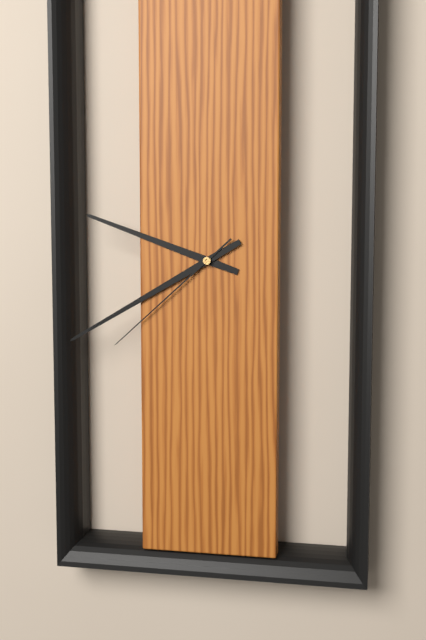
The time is h=9 m=40 s=38
